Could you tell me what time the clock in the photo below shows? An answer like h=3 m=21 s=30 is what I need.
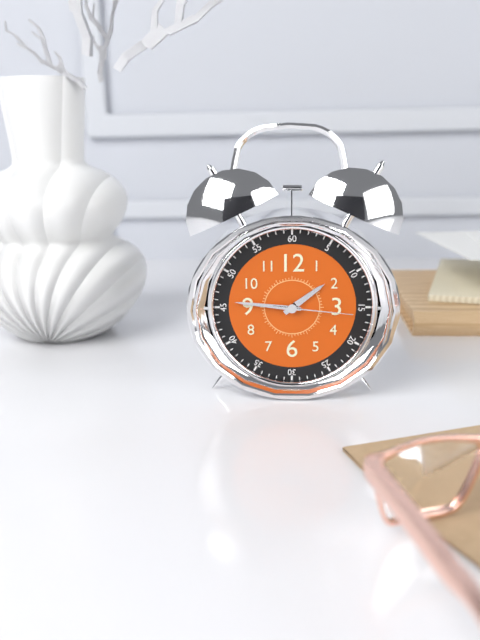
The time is h=1 m=46 s=16
